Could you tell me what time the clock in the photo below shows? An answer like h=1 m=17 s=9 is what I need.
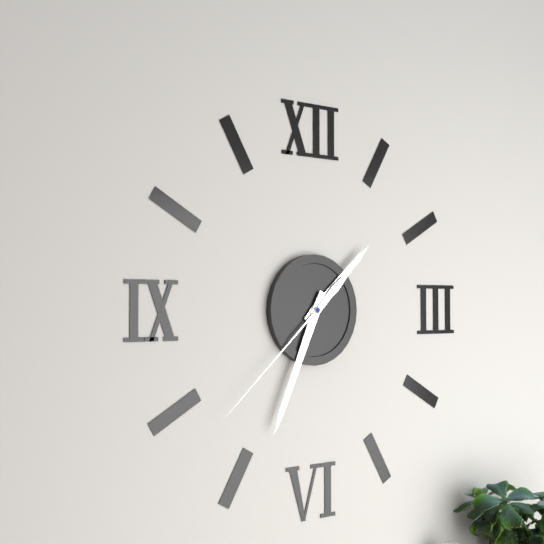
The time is h=1 m=34 s=38
